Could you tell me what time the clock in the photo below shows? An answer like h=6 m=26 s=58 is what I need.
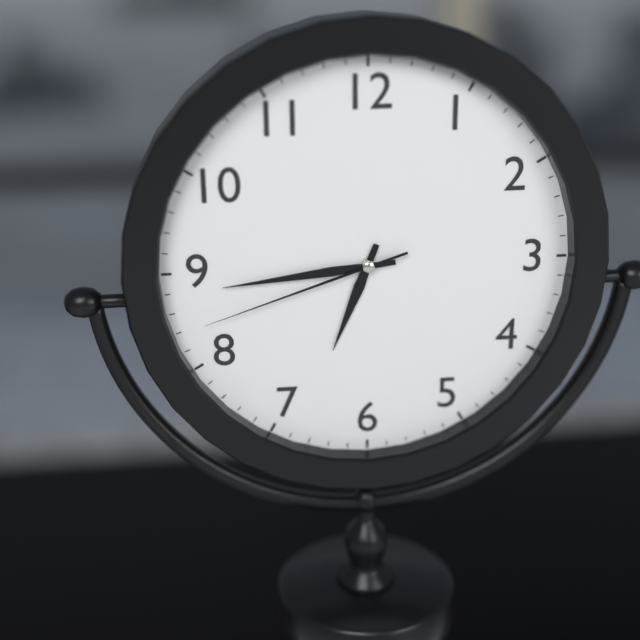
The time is h=6 m=44 s=42
